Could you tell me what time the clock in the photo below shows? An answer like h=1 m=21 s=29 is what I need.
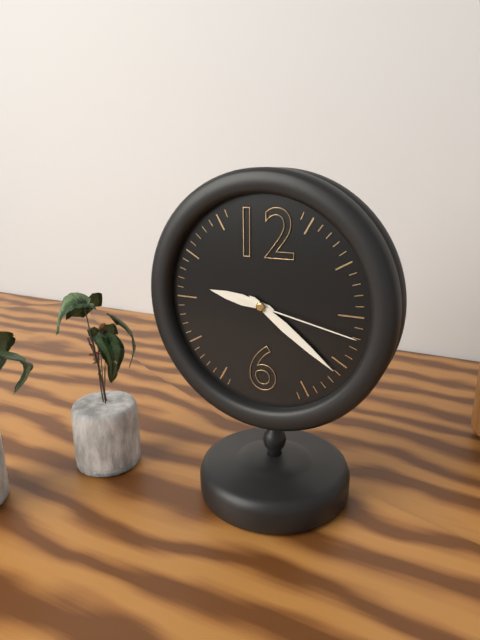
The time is h=9 m=21 s=17
